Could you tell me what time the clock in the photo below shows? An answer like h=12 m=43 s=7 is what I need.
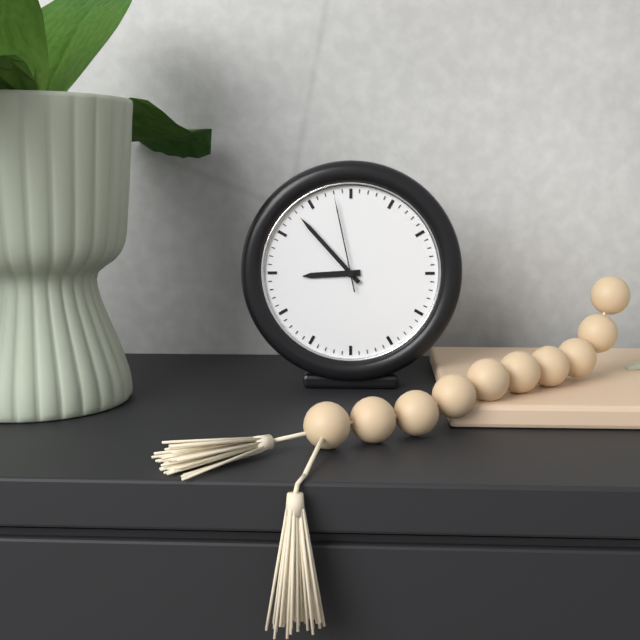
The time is h=8 m=53 s=58
